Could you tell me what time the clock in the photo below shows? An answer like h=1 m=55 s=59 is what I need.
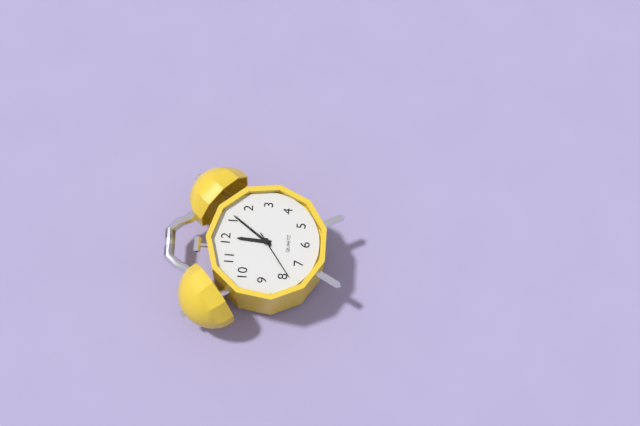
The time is h=12 m=6 s=39
